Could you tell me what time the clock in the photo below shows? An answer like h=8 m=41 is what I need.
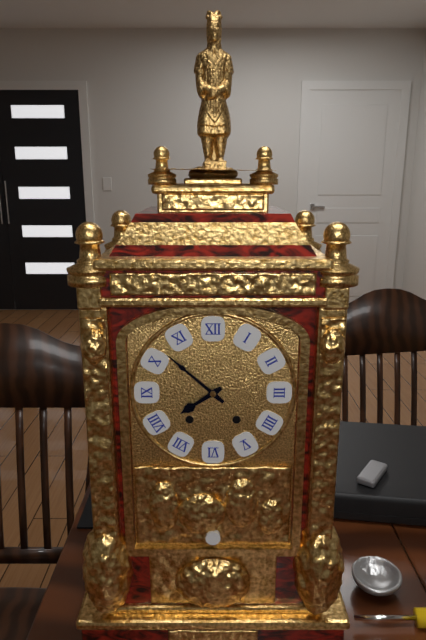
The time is h=7 m=52
